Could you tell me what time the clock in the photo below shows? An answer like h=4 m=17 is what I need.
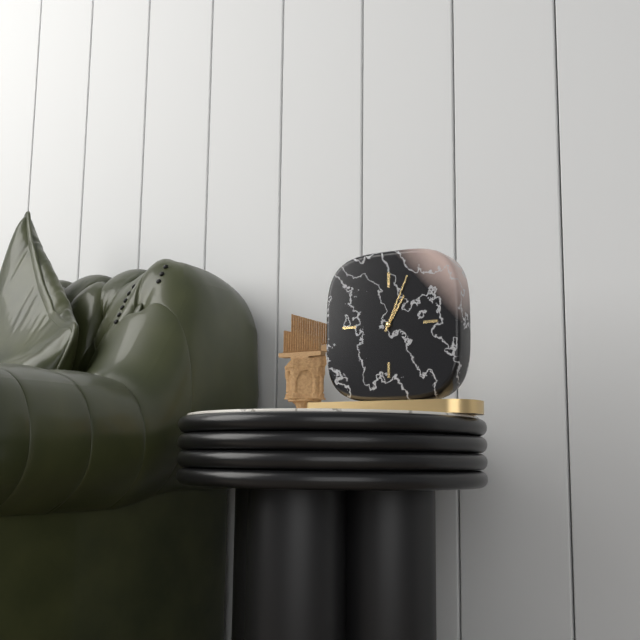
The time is h=1 m=4
